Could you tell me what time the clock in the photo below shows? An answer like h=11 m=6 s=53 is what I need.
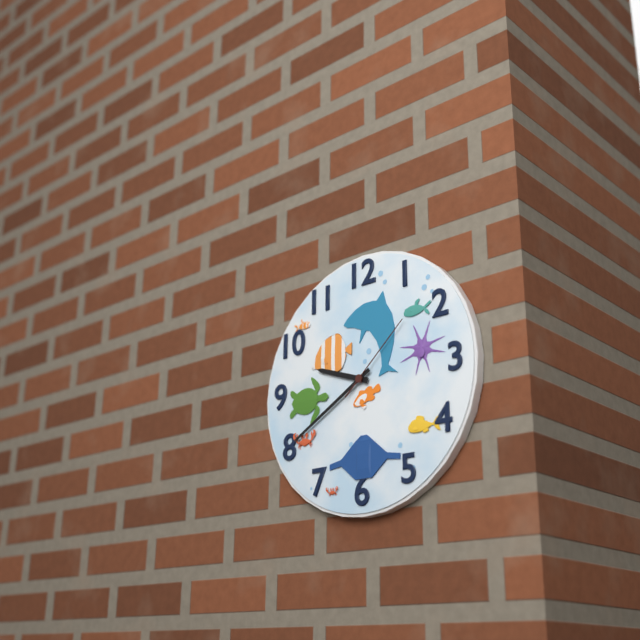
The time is h=9 m=40 s=8
